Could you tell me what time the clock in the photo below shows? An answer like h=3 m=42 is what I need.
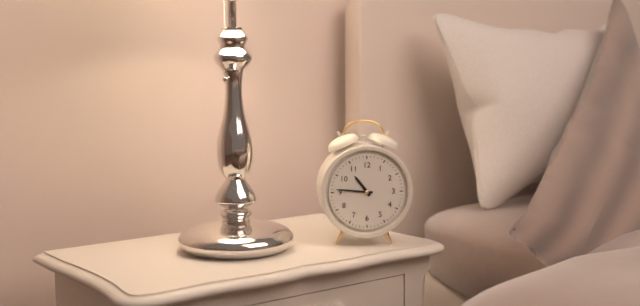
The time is h=10 m=46
